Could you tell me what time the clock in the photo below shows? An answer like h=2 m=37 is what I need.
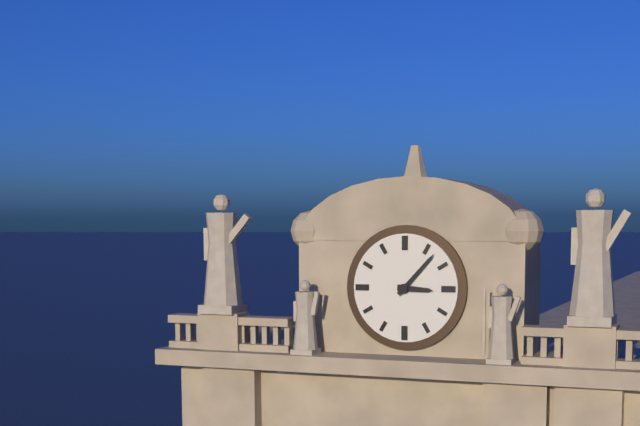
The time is h=3 m=7
